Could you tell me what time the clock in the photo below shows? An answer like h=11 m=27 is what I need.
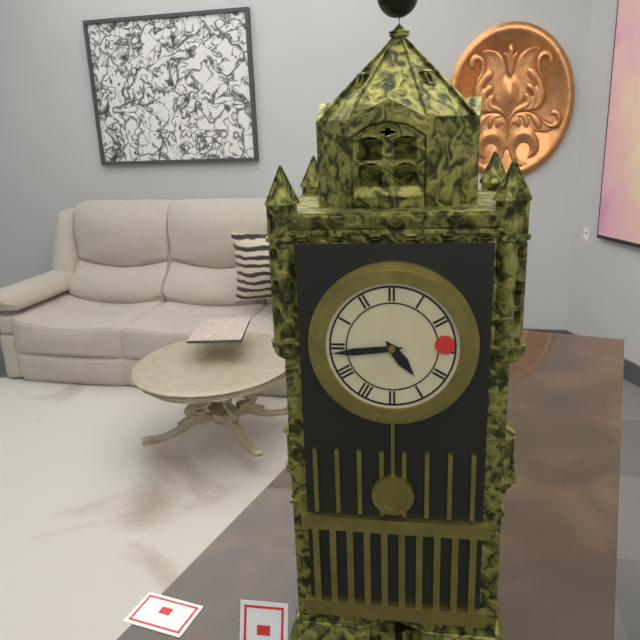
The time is h=4 m=44
